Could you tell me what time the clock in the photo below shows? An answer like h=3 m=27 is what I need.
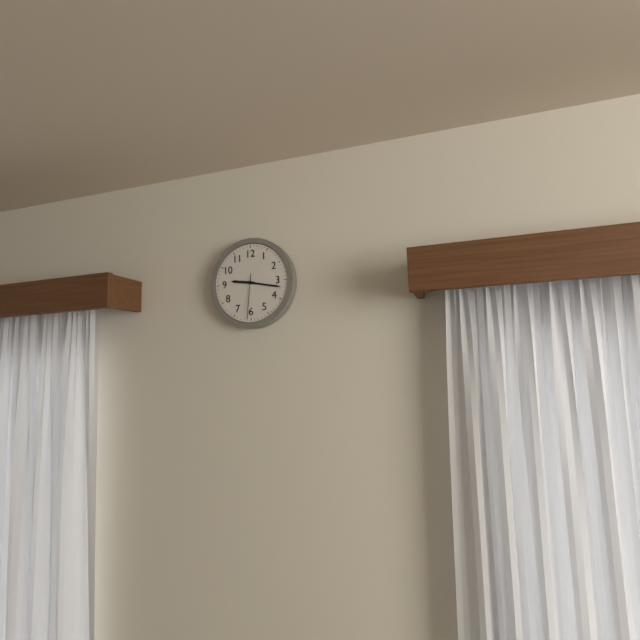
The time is h=9 m=17
